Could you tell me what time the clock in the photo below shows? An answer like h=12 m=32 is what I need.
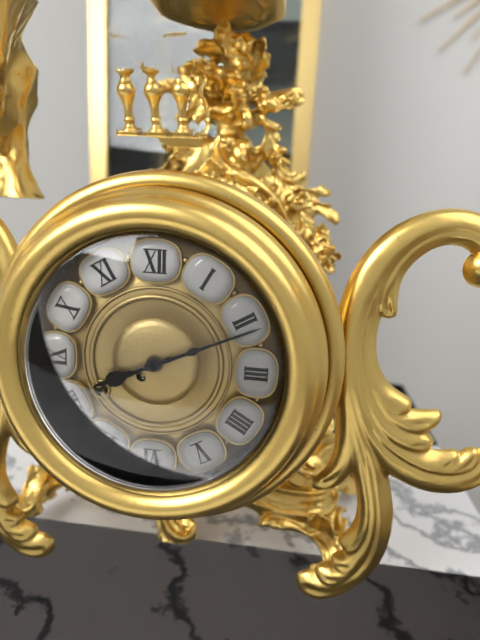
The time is h=8 m=11
